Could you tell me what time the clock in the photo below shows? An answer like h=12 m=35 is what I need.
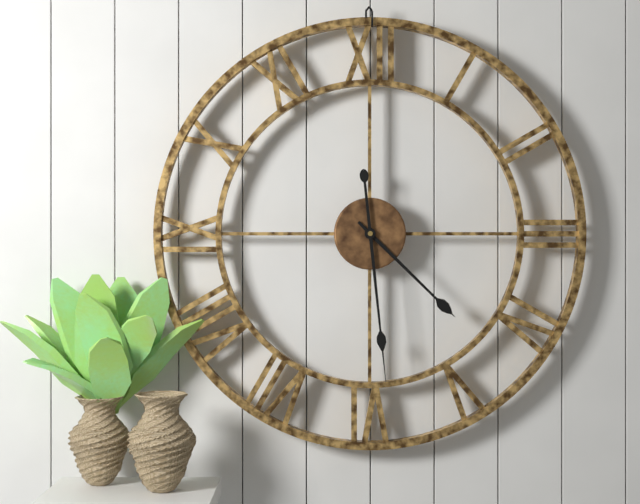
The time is h=4 m=29
